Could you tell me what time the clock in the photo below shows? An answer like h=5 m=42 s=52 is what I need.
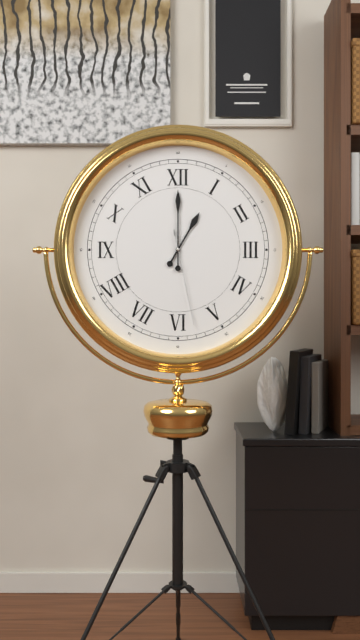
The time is h=1 m=0 s=28
